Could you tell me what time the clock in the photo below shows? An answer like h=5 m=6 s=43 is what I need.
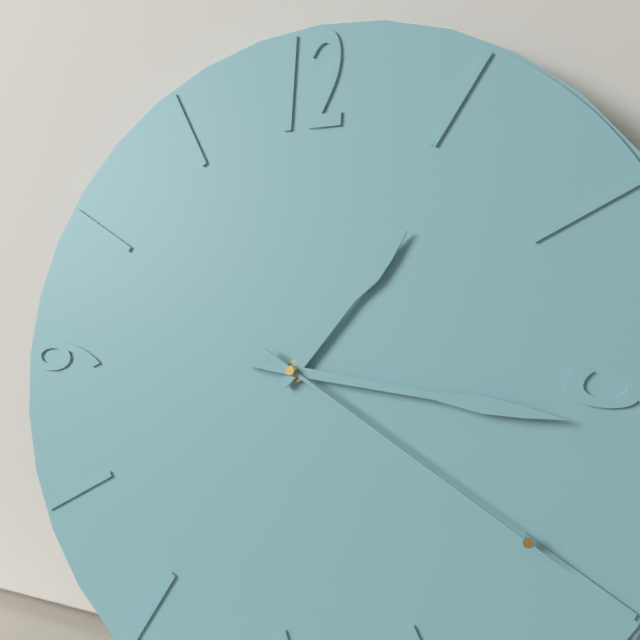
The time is h=1 m=16 s=20
